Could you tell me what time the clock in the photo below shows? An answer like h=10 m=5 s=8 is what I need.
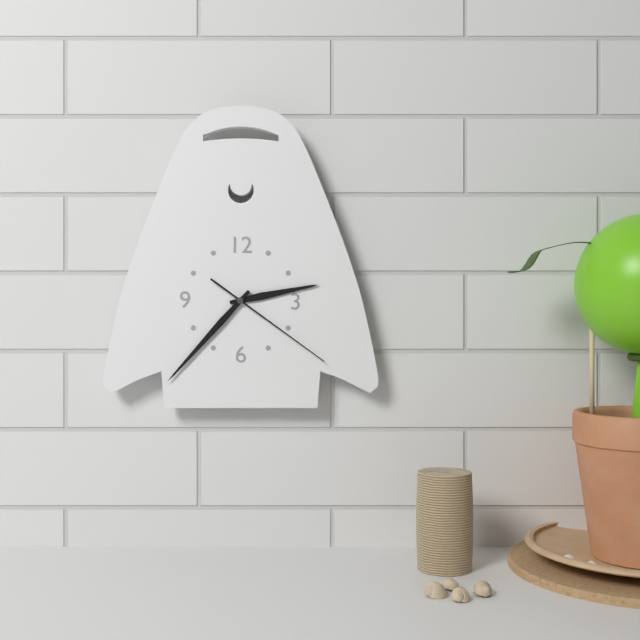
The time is h=2 m=37 s=21
